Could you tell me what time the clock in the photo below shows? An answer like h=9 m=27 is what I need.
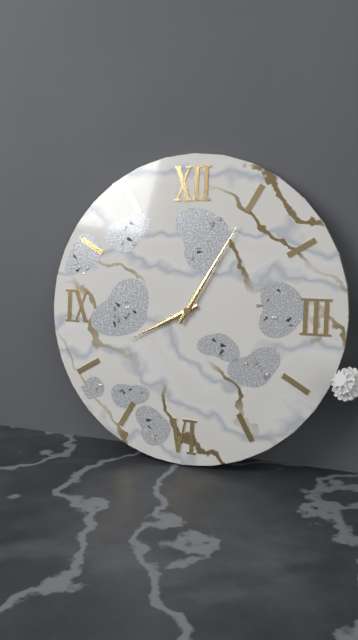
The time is h=8 m=5
